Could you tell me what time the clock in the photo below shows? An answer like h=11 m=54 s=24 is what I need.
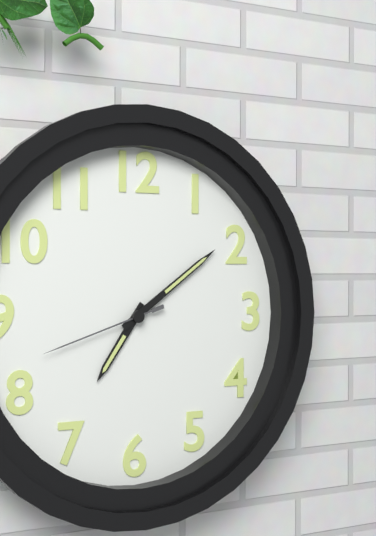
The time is h=7 m=9 s=42
